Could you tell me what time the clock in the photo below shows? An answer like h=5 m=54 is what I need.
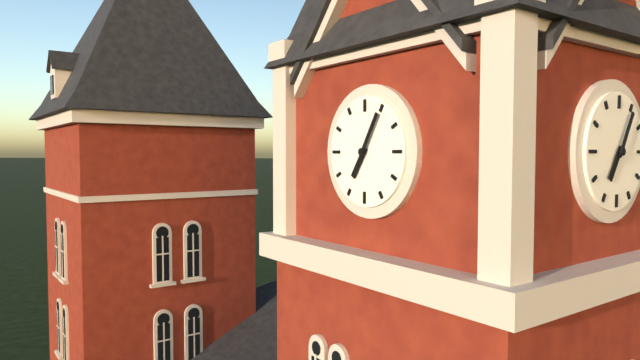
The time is h=7 m=5
